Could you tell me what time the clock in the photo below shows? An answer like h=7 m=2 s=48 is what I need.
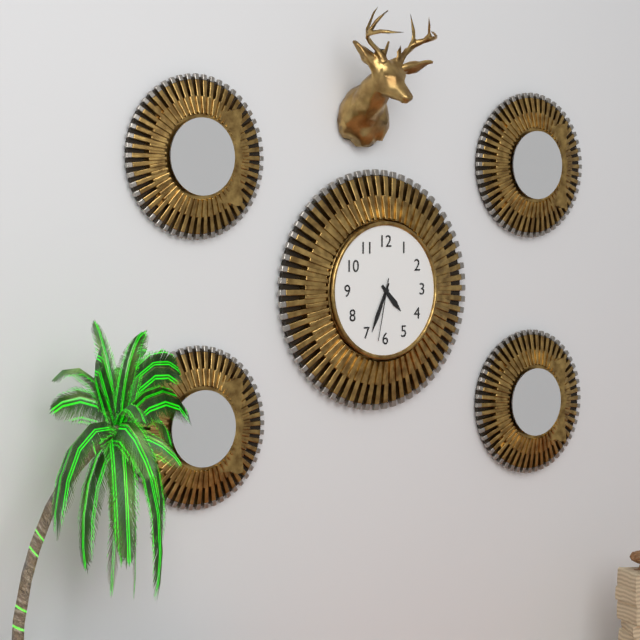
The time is h=4 m=34 s=32
